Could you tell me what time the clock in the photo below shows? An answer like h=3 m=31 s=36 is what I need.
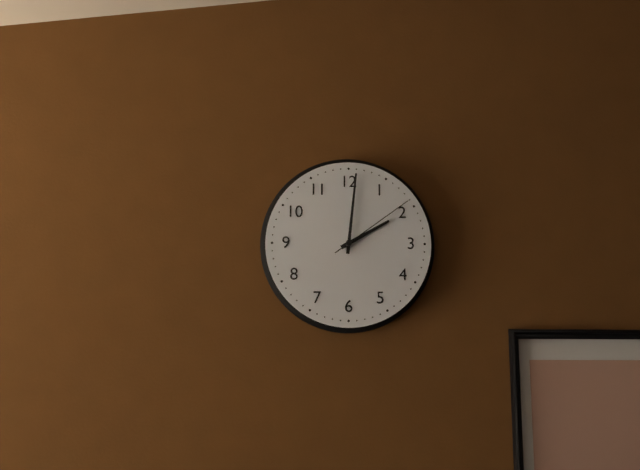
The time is h=2 m=1 s=9
